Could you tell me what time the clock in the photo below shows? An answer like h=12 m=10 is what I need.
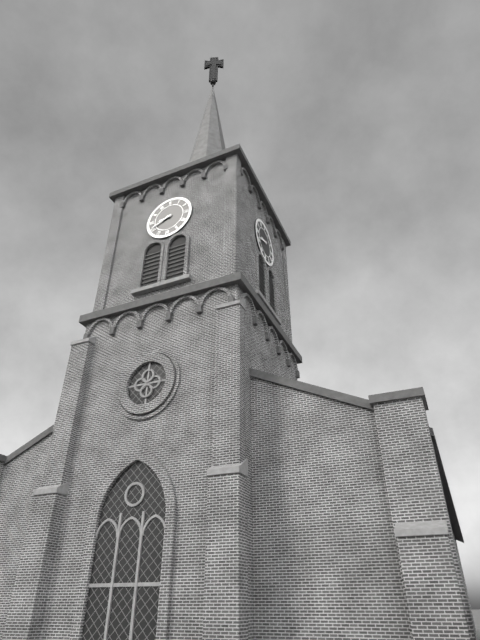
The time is h=8 m=41
